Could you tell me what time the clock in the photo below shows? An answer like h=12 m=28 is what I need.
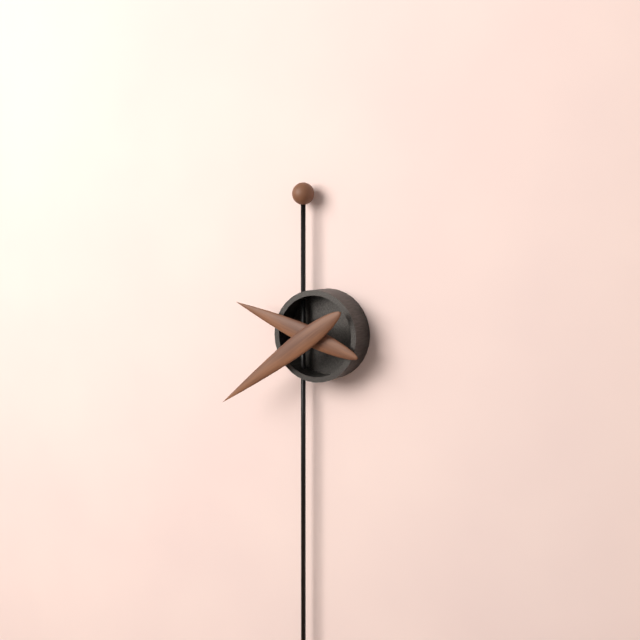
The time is h=9 m=39
